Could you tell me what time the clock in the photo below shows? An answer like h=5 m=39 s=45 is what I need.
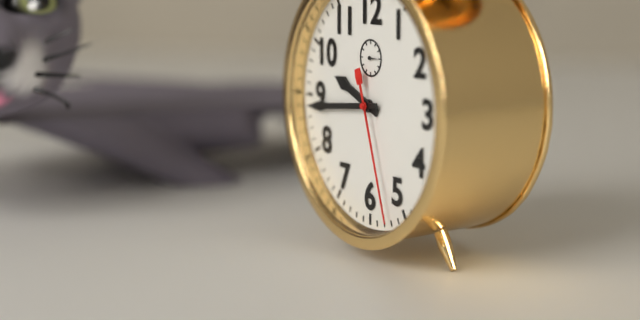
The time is h=9 m=44 s=27
